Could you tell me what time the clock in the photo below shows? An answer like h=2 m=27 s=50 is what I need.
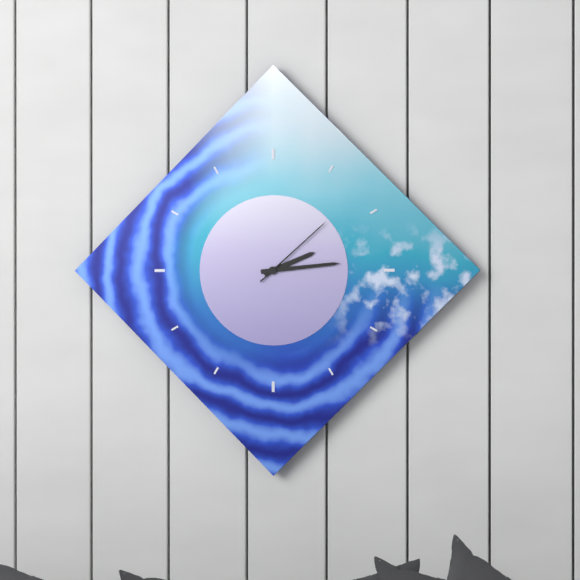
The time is h=2 m=14 s=8
